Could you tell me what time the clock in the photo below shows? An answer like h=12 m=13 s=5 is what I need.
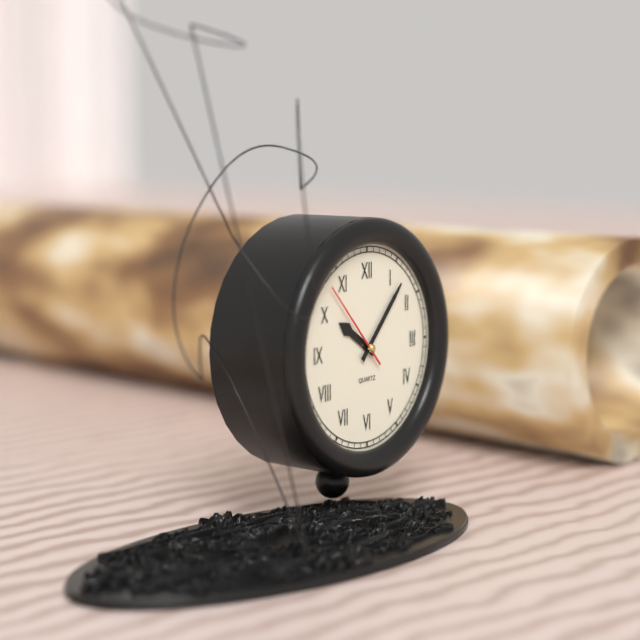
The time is h=10 m=7 s=53
